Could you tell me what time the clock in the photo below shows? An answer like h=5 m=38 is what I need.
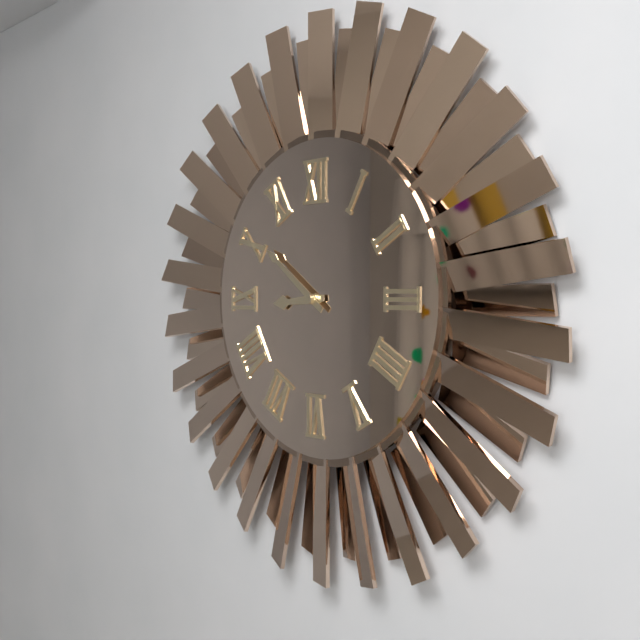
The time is h=8 m=51
